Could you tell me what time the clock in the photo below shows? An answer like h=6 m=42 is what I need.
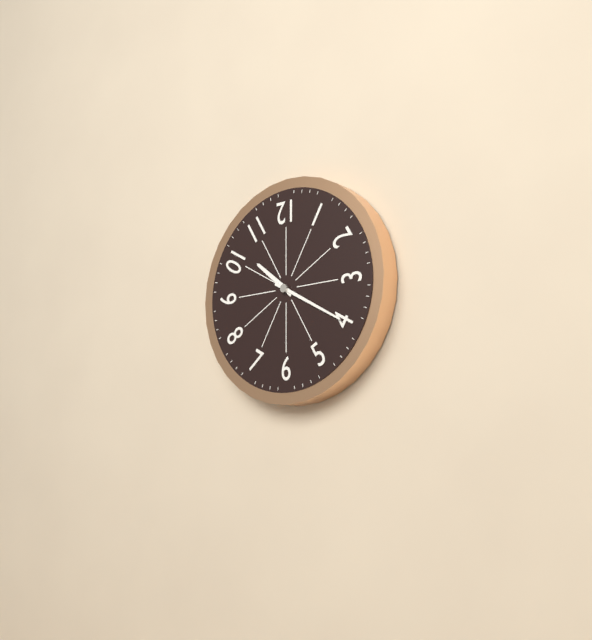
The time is h=10 m=20
